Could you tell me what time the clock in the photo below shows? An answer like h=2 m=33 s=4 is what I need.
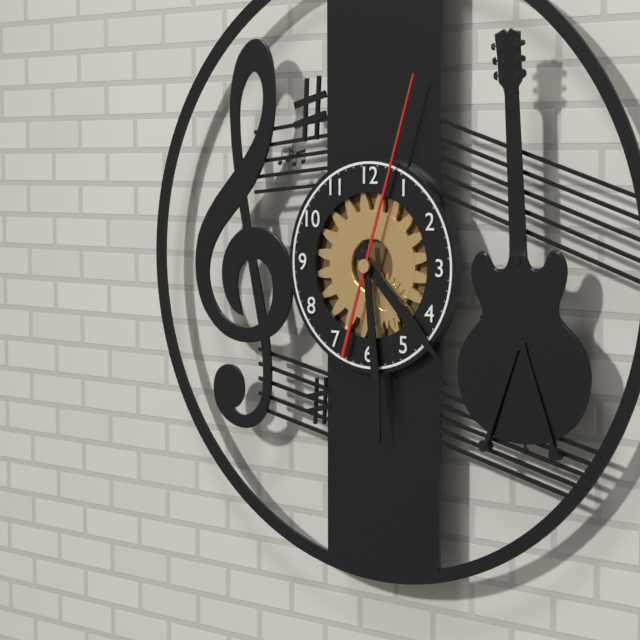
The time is h=4 m=29 s=3
